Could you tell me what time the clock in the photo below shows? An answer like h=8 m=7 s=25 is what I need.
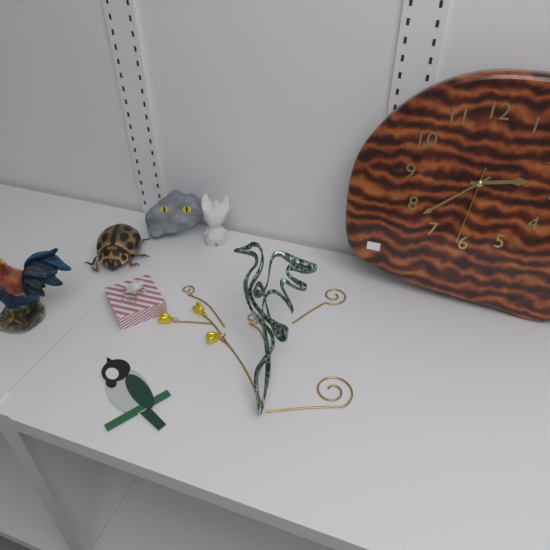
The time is h=2 m=38 s=31
